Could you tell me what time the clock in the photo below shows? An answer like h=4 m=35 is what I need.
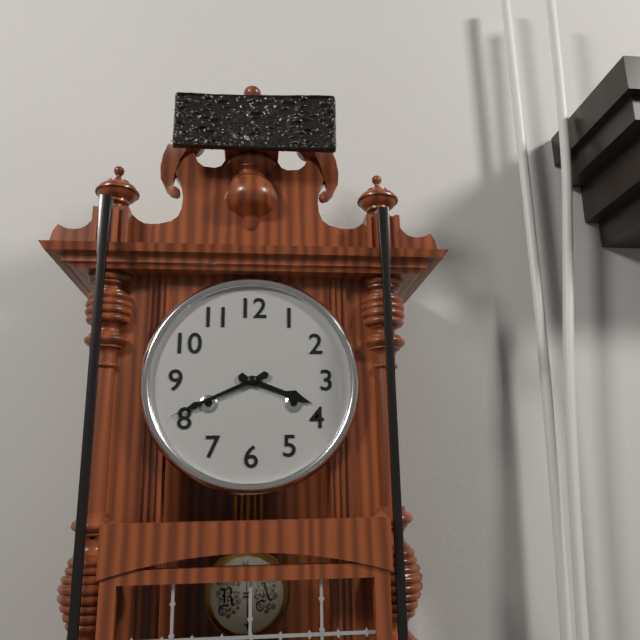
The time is h=3 m=41
